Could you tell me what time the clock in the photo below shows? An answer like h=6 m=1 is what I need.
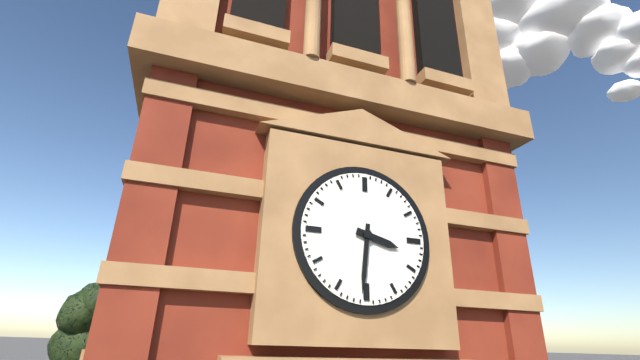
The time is h=3 m=31
